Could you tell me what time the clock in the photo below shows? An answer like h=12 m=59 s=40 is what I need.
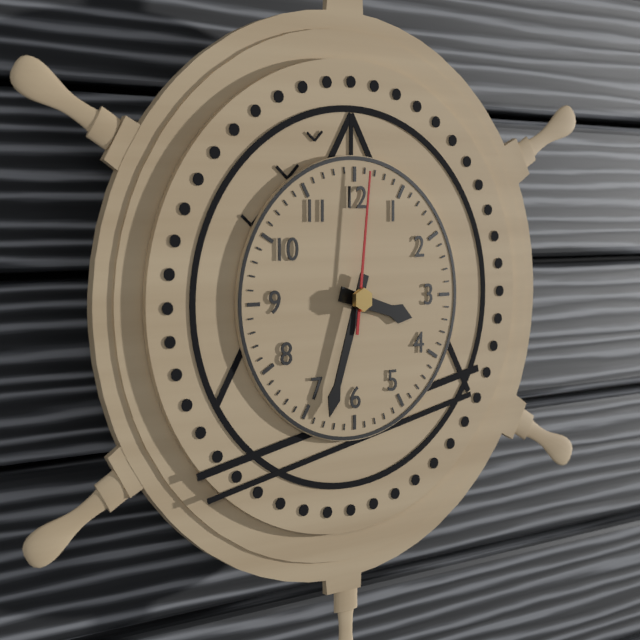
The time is h=3 m=33 s=1
